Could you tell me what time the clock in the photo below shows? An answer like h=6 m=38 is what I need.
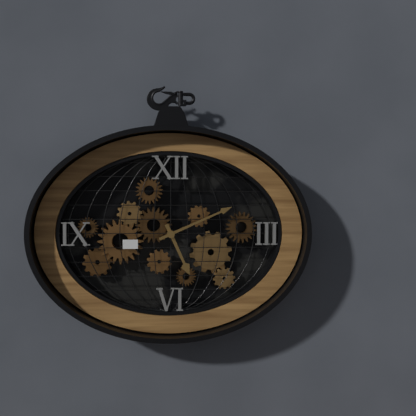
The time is h=5 m=11
